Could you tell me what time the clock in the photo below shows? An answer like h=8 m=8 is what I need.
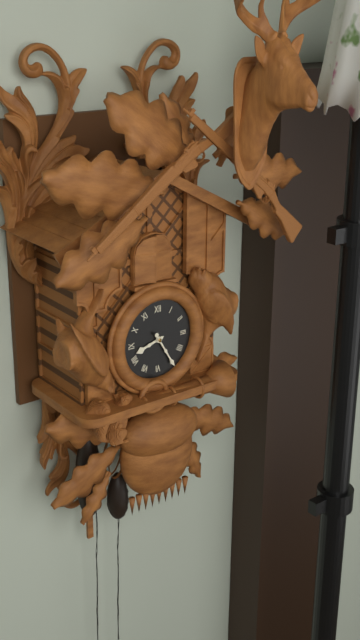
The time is h=8 m=25
